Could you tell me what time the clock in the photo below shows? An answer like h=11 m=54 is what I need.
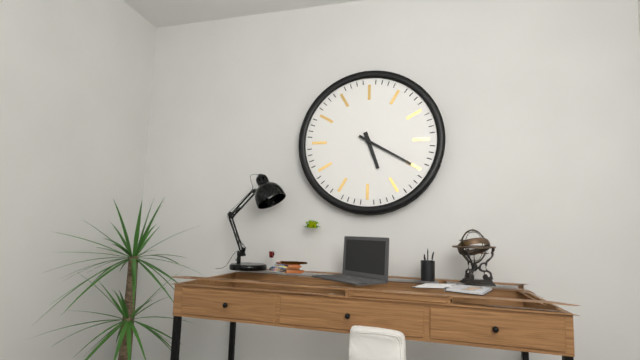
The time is h=5 m=20
